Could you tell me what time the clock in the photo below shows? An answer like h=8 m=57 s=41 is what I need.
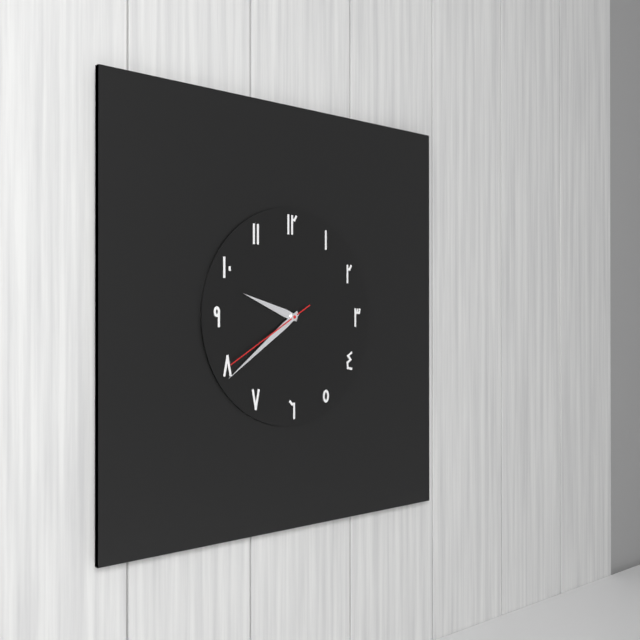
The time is h=9 m=39 s=40
